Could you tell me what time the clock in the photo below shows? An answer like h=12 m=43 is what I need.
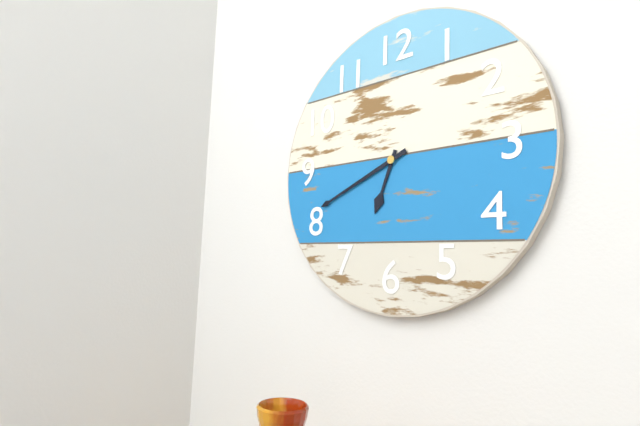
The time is h=6 m=41
